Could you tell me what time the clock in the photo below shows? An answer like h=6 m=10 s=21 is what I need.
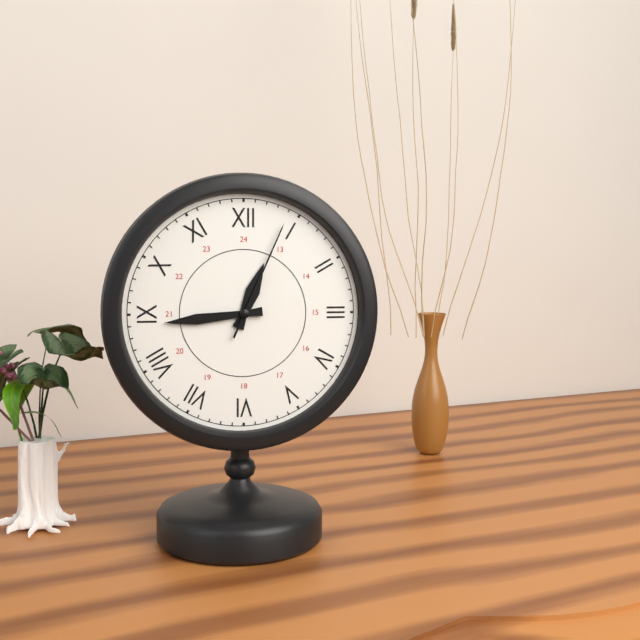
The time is h=12 m=44 s=4
